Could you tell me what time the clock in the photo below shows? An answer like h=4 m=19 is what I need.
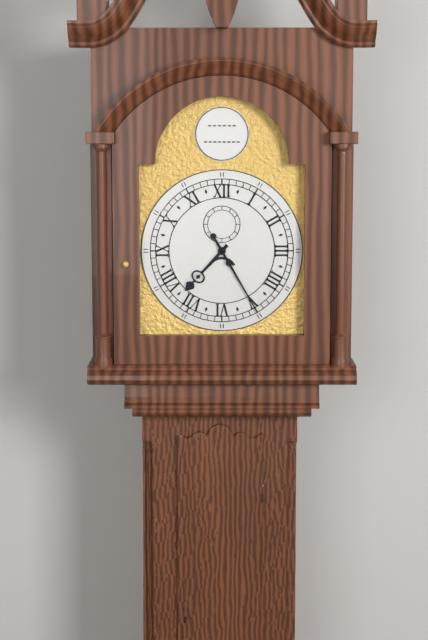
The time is h=7 m=25
